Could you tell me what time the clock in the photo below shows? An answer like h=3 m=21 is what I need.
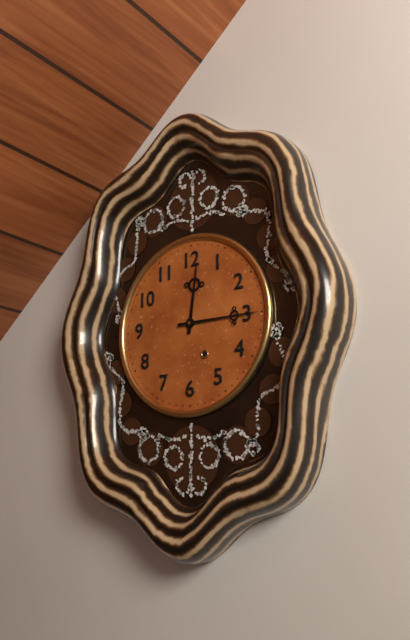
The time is h=12 m=15
